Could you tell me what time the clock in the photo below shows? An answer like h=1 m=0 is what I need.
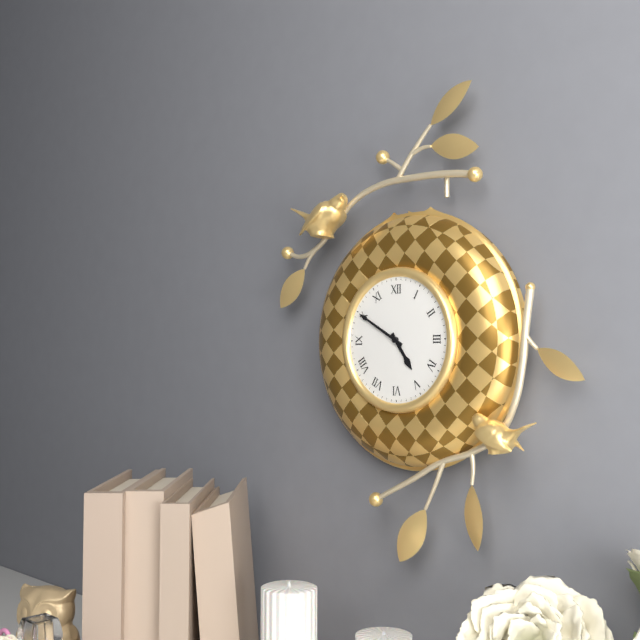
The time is h=4 m=50
